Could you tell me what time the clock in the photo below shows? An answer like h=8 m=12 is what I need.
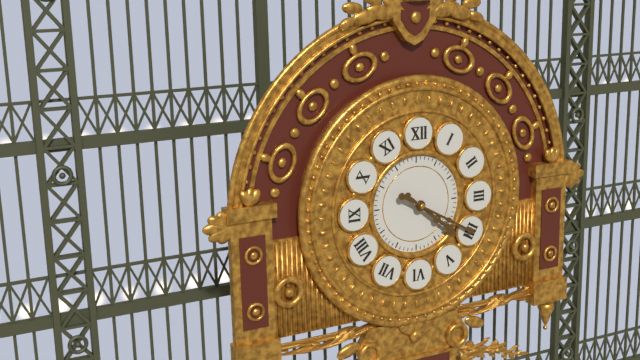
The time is h=4 m=20
